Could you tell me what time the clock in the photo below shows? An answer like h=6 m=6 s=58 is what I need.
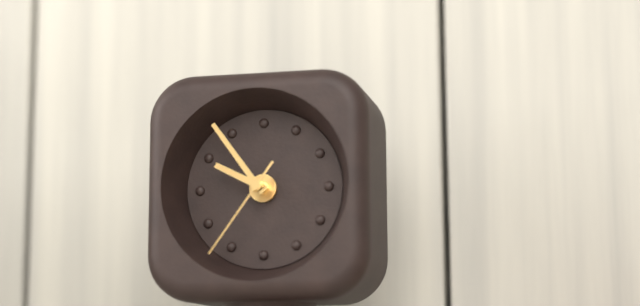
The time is h=9 m=54 s=36
